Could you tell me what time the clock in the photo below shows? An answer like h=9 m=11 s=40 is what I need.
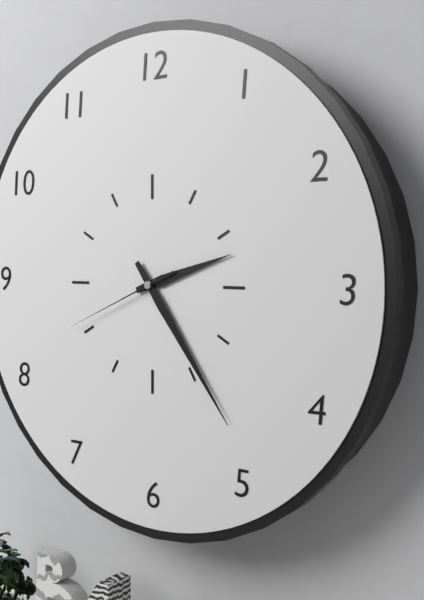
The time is h=2 m=24 s=41
